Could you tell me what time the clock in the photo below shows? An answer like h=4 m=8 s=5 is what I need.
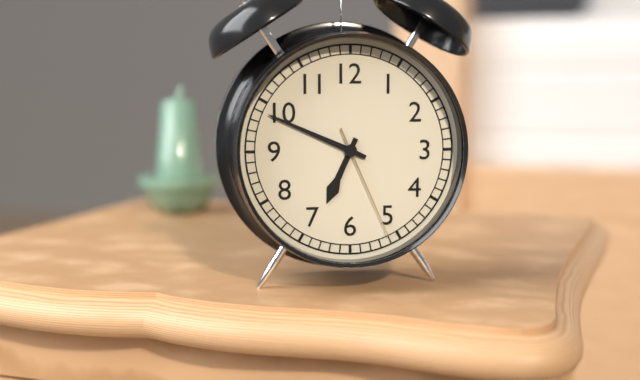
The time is h=6 m=49 s=26
